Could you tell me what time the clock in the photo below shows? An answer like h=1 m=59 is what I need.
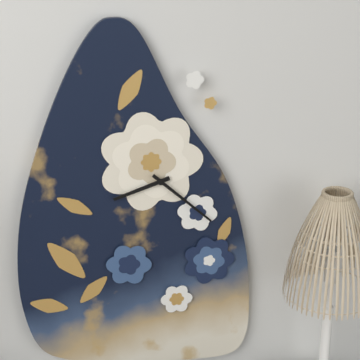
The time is h=8 m=22
